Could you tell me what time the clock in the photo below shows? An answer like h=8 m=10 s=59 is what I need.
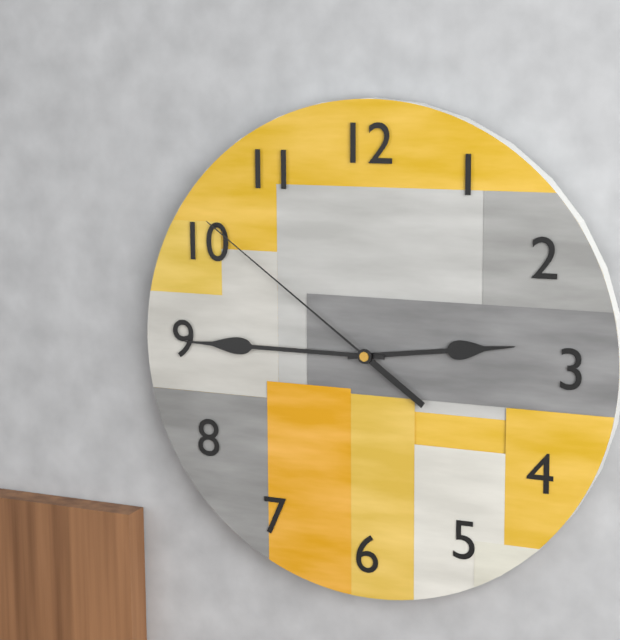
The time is h=2 m=45 s=51
